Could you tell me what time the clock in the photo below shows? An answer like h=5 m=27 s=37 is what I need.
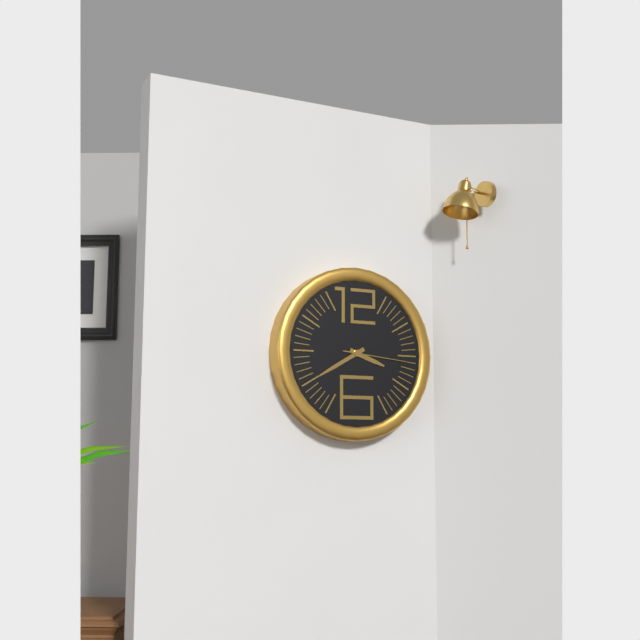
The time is h=3 m=40 s=16
